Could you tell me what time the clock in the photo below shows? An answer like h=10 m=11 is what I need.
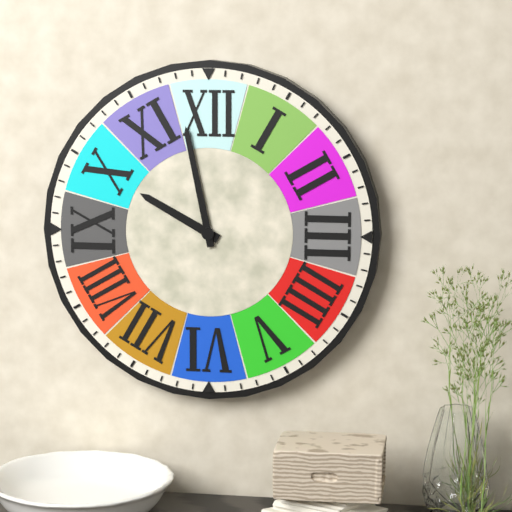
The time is h=9 m=58
